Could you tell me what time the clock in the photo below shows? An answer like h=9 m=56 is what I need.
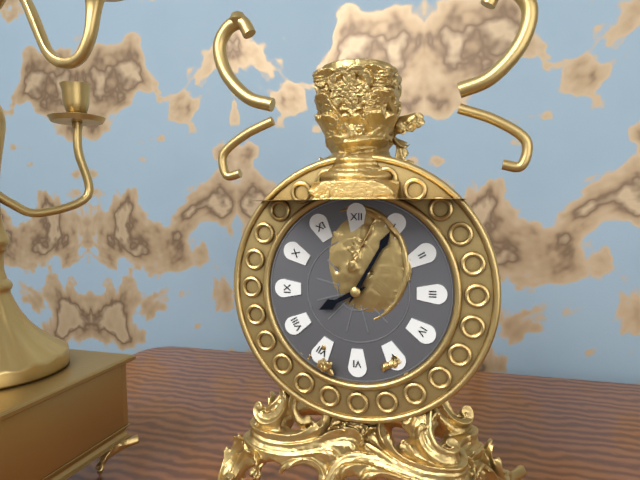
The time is h=8 m=5
